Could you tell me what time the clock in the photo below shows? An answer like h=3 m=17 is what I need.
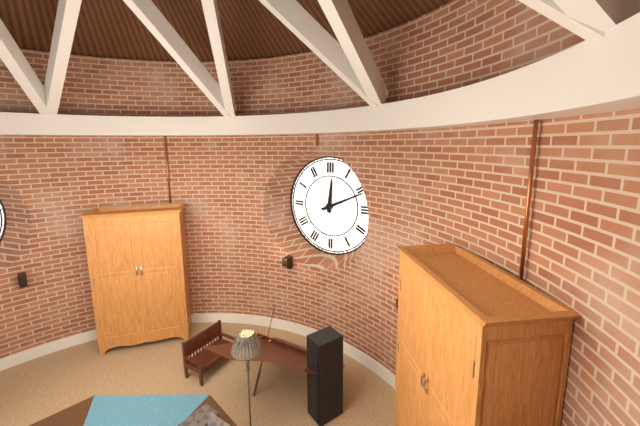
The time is h=12 m=11
